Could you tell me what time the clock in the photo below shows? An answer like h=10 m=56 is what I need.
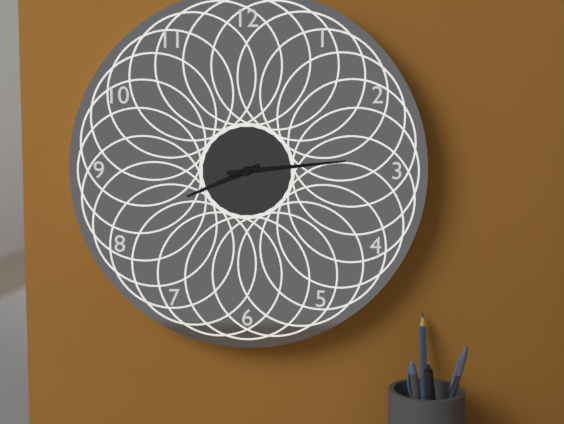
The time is h=8 m=14
